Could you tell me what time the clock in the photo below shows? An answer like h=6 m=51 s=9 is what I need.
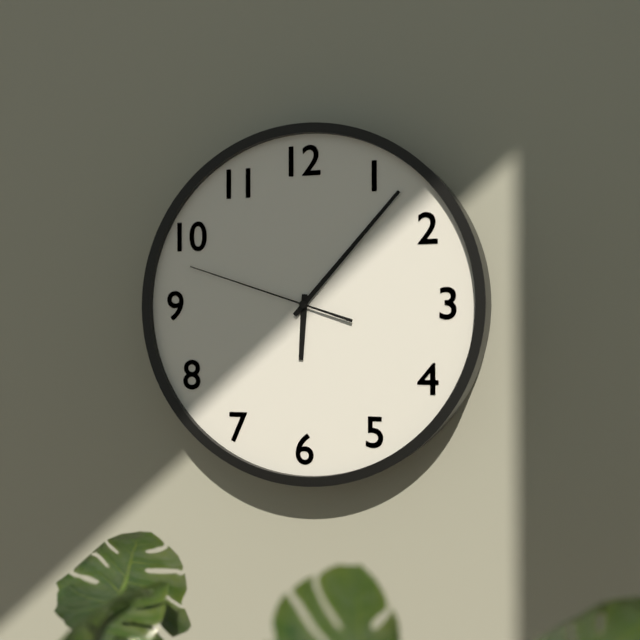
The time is h=6 m=7 s=48
